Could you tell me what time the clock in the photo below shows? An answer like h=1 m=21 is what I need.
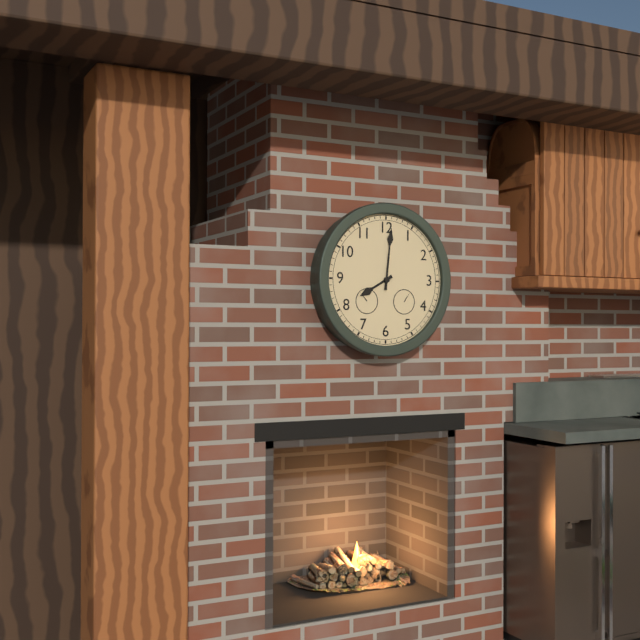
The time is h=8 m=1
